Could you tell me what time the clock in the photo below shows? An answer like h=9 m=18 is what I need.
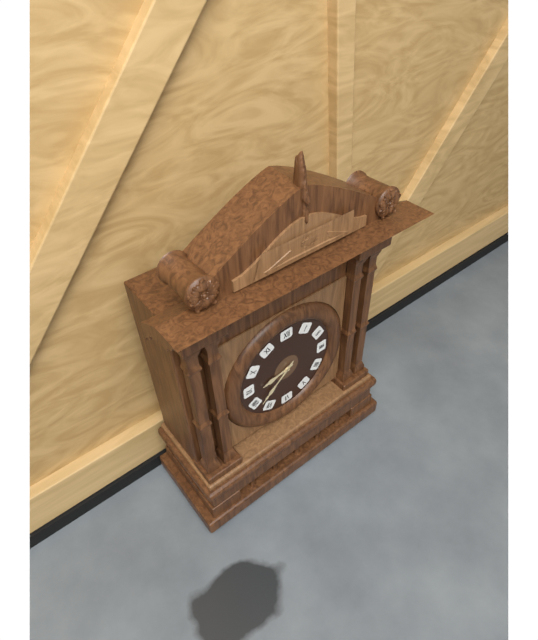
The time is h=8 m=38
